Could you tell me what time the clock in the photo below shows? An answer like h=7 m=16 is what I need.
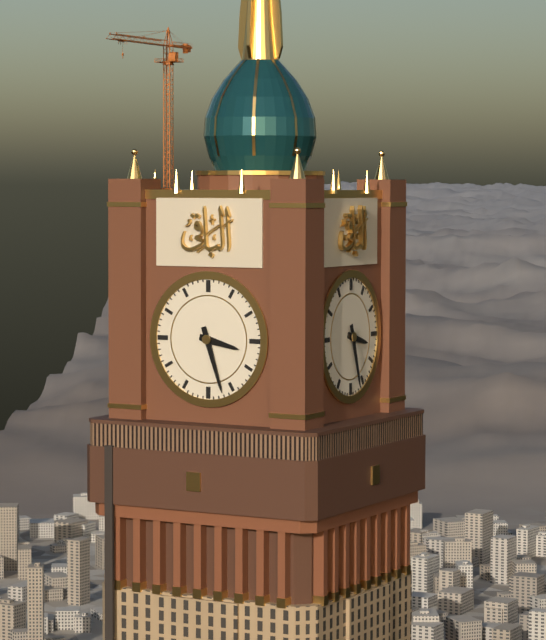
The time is h=3 m=27
